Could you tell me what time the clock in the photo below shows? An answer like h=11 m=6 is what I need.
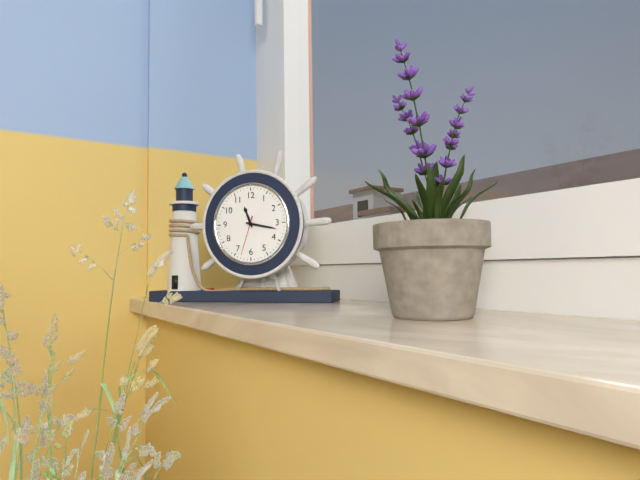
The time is h=11 m=17
